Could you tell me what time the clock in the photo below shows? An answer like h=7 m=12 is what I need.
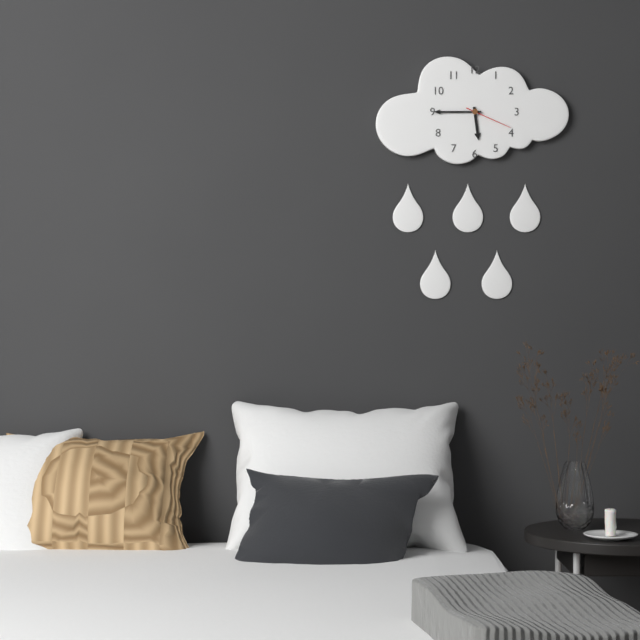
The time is h=5 m=45
